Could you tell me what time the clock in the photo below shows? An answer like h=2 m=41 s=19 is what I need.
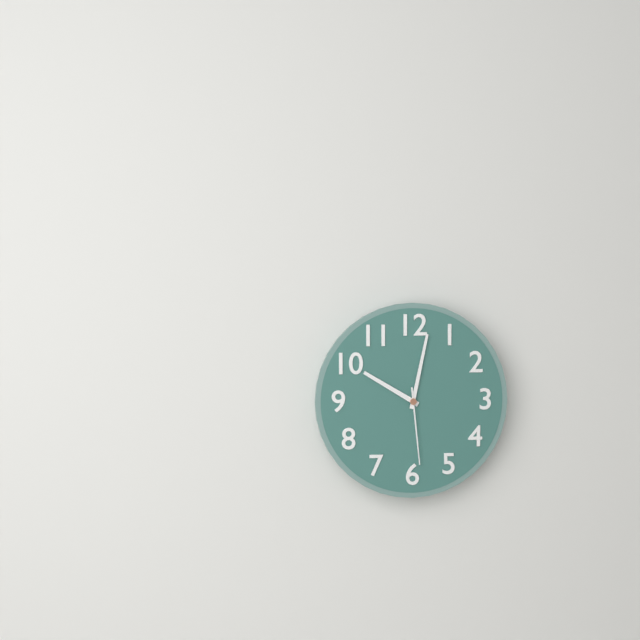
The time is h=10 m=2 s=29
